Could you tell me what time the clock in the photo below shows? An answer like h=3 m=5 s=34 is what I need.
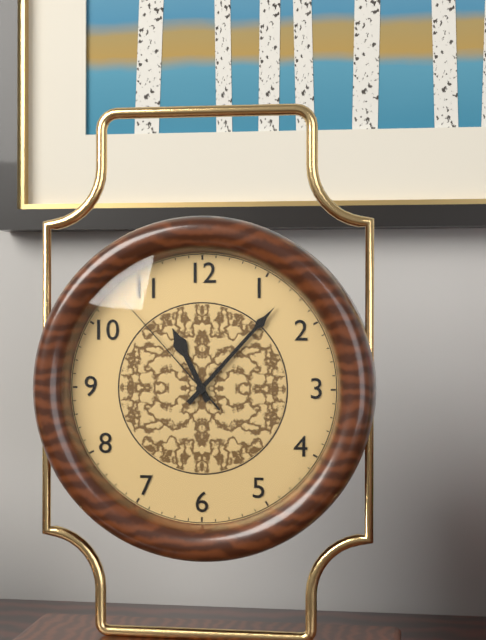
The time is h=11 m=7 s=53
